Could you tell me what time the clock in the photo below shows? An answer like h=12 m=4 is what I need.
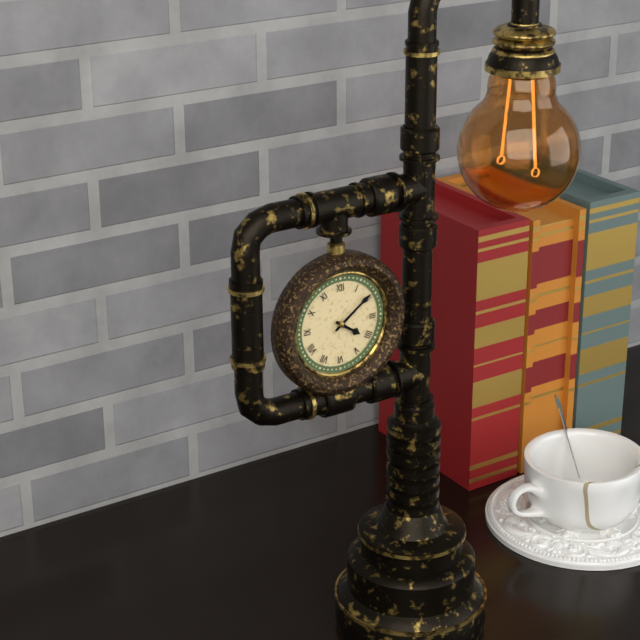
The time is h=4 m=9
